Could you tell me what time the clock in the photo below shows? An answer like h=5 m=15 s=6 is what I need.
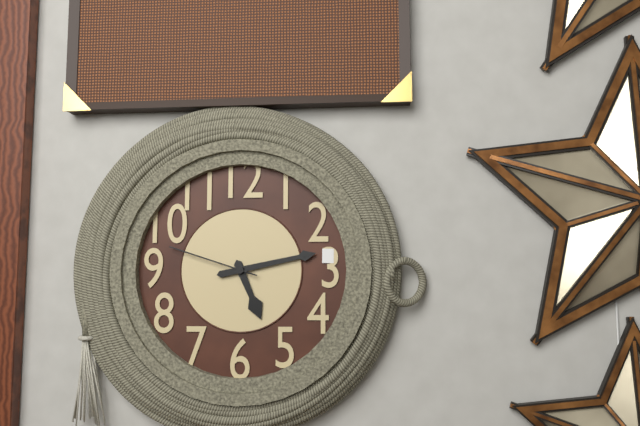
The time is h=5 m=13 s=48
